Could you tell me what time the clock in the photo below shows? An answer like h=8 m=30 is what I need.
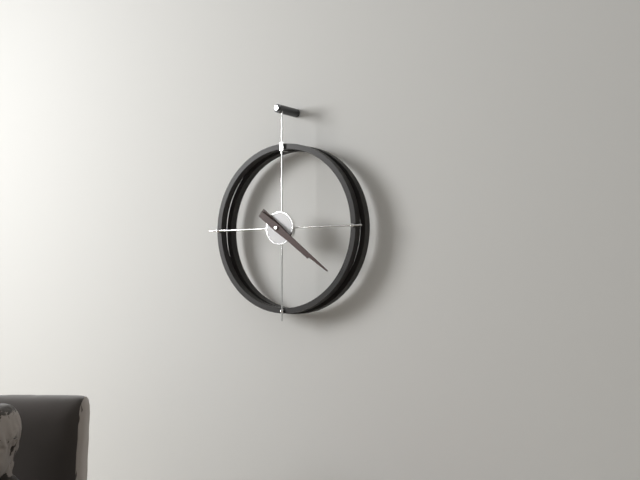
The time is h=4 m=21
